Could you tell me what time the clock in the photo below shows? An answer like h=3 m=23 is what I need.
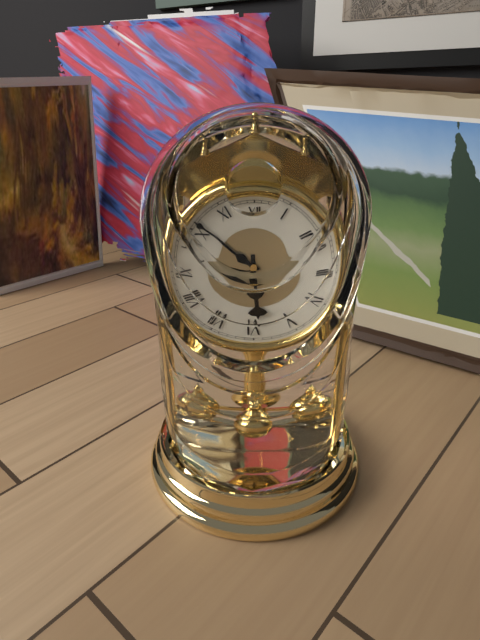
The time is h=5 m=51
